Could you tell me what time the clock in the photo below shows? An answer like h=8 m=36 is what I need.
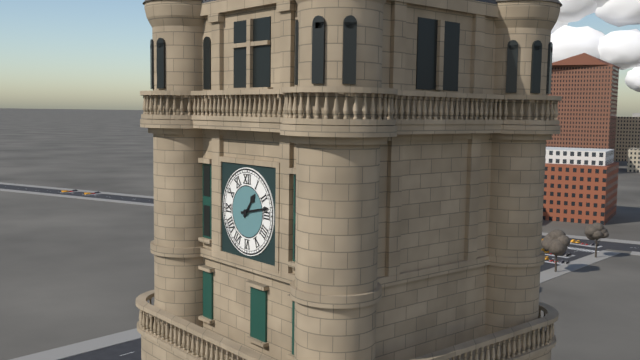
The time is h=1 m=13
